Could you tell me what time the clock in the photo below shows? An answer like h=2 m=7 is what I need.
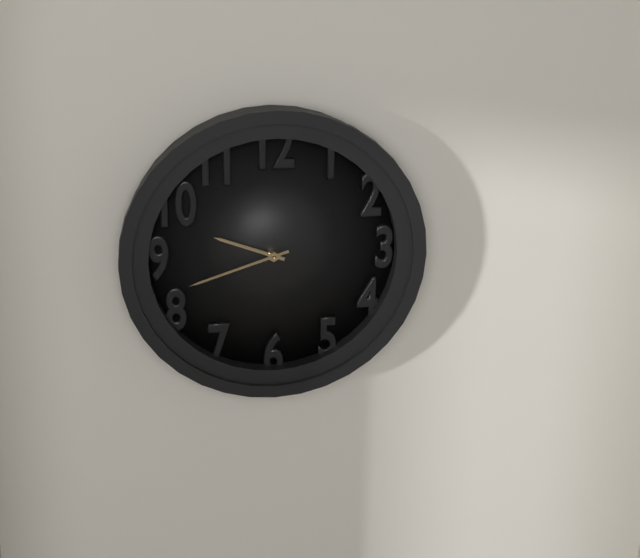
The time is h=9 m=42
